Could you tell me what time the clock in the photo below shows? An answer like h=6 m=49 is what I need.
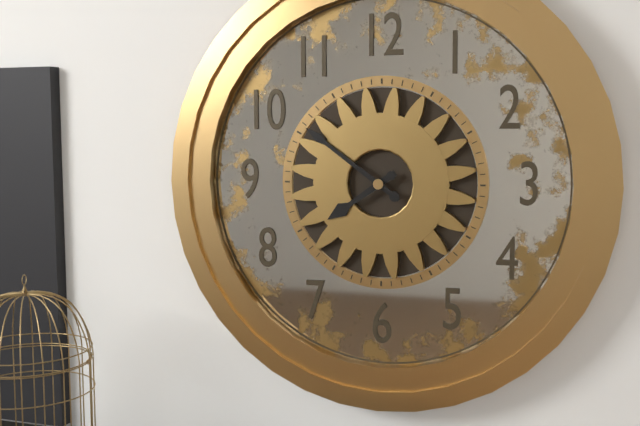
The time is h=7 m=51
